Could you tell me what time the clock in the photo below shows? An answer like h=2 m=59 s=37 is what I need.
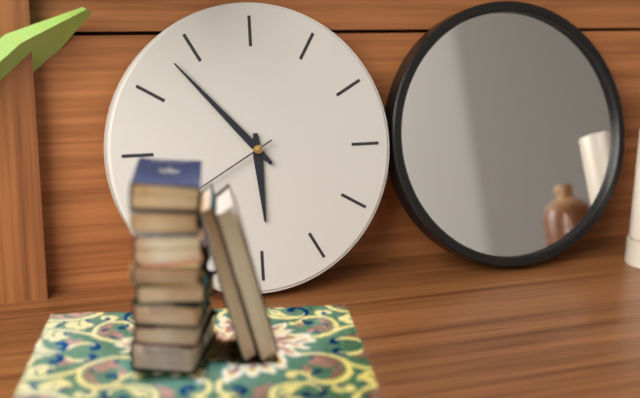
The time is h=5 m=53 s=40
